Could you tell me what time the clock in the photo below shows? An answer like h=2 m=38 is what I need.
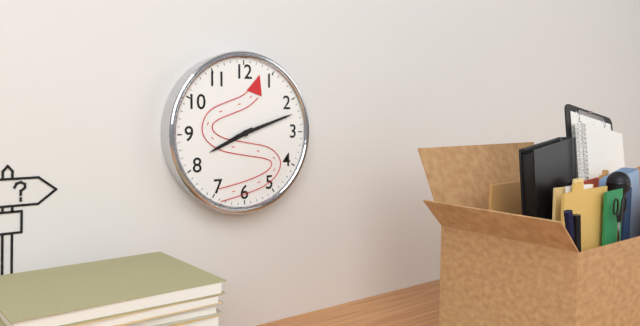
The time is h=8 m=12
